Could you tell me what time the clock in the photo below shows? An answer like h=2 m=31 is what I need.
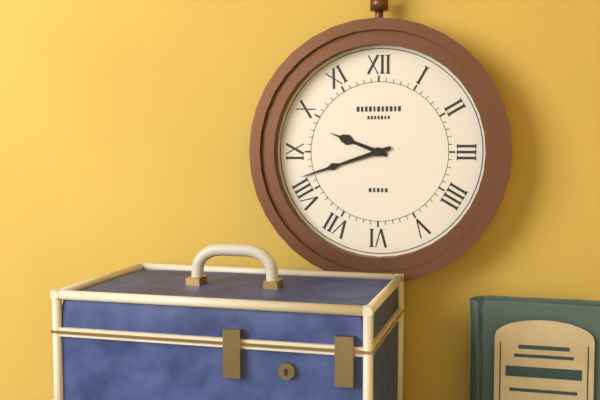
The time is h=9 m=42
